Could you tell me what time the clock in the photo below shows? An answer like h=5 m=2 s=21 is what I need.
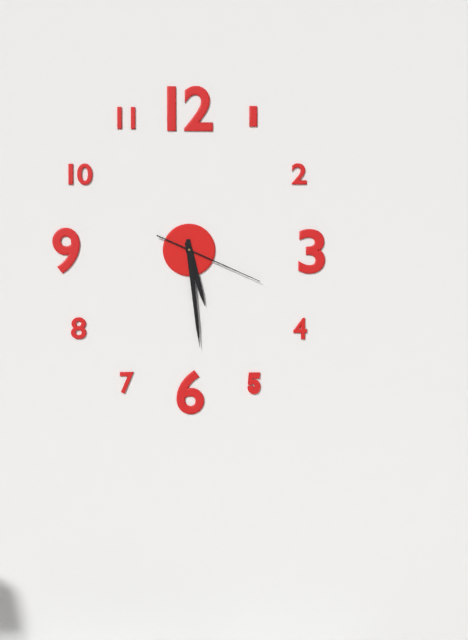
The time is h=5 m=29 s=19
